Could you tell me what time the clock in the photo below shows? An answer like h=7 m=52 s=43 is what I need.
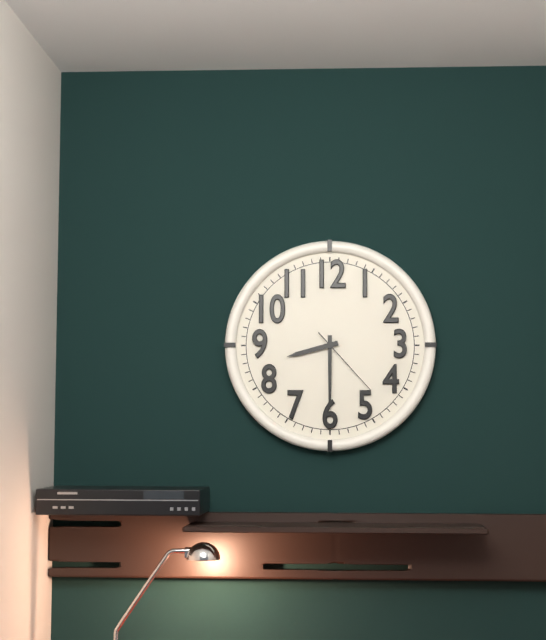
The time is h=8 m=30 s=23
